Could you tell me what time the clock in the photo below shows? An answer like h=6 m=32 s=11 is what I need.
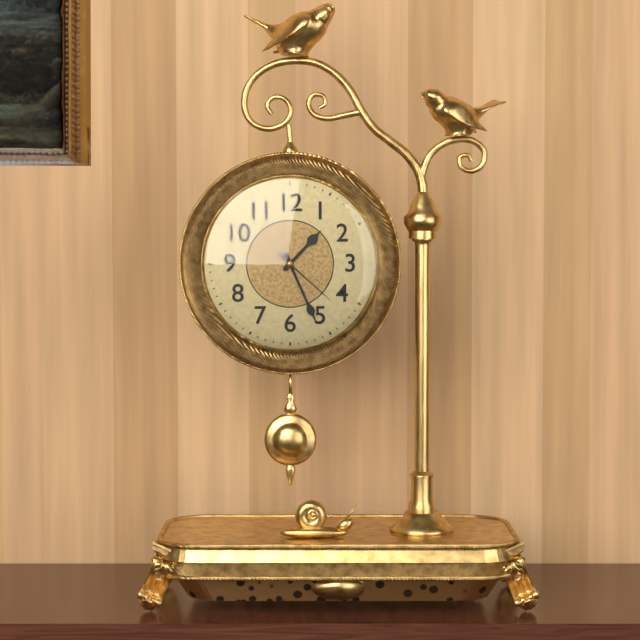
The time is h=1 m=26 s=22
